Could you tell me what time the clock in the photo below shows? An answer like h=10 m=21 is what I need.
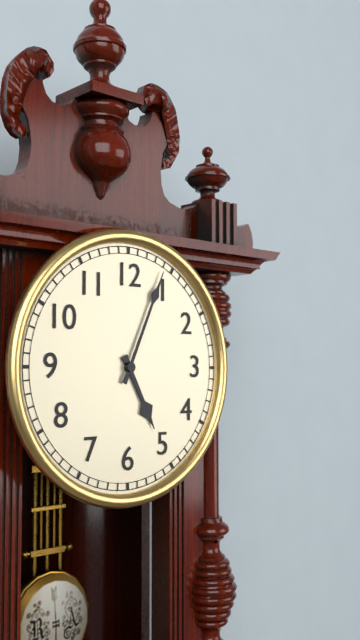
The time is h=5 m=4
